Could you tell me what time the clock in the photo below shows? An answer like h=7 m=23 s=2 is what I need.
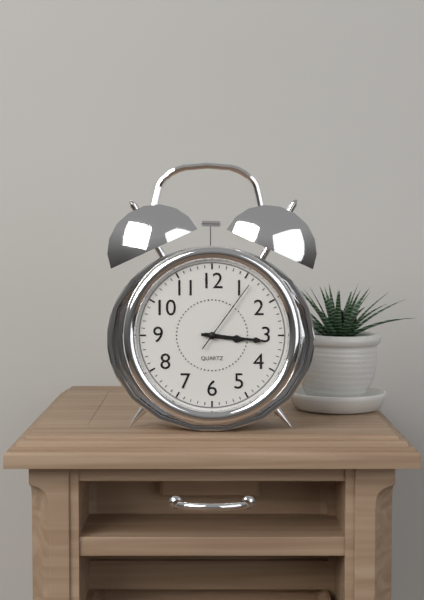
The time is h=3 m=16 s=6
